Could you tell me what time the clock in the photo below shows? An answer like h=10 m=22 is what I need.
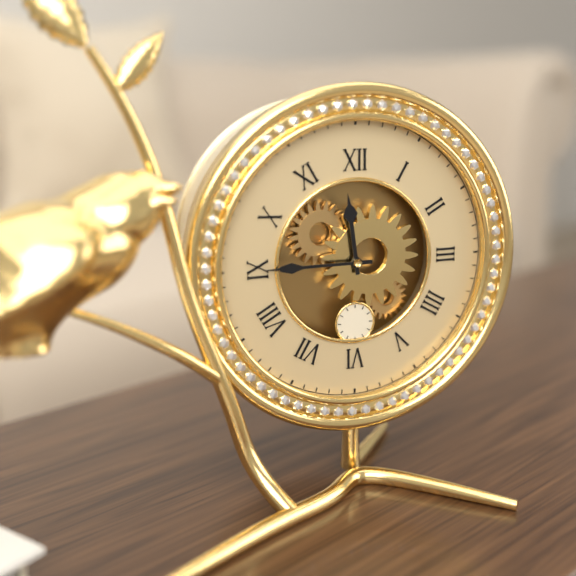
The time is h=11 m=45
